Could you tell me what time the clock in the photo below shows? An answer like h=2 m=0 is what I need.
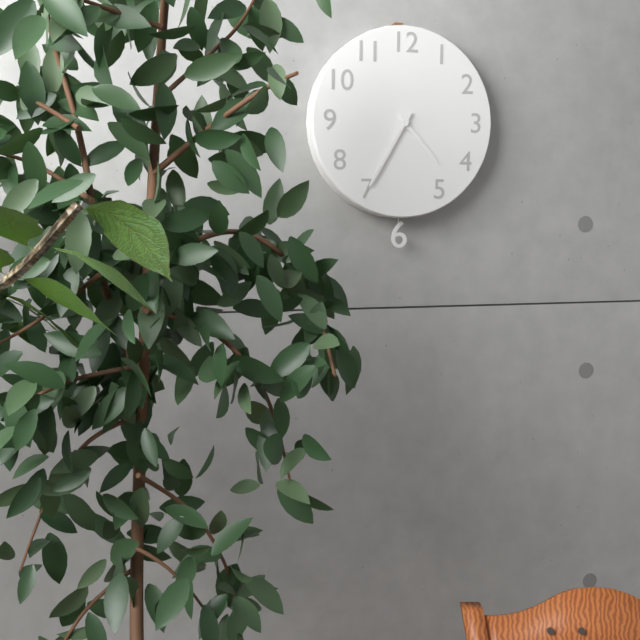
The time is h=4 m=35
